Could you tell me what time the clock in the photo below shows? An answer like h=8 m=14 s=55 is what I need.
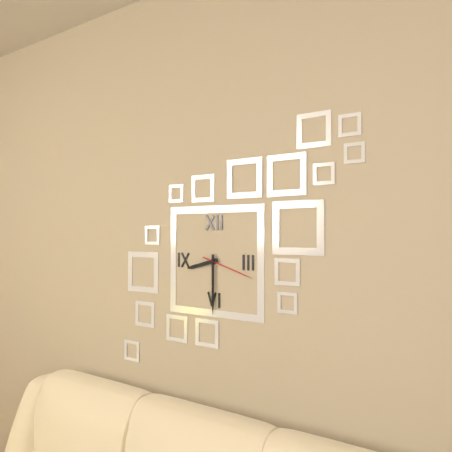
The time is h=8 m=30 s=18
